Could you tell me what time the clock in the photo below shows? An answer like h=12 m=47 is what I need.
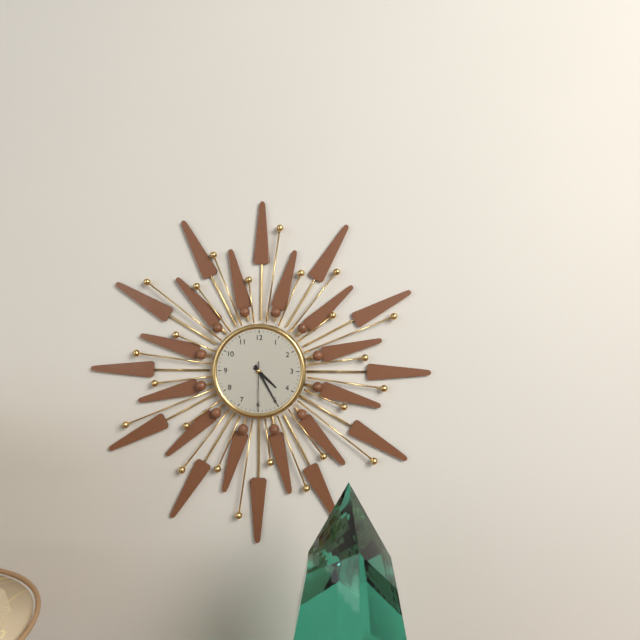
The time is h=4 m=25
